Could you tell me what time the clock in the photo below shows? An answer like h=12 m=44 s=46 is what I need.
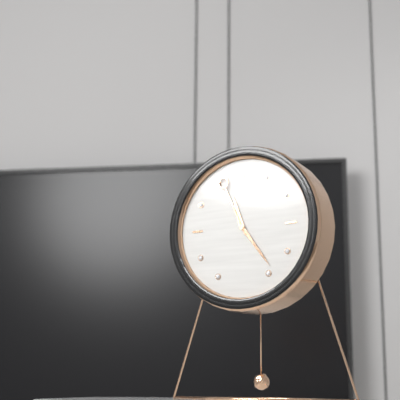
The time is h=11 m=24 s=56
